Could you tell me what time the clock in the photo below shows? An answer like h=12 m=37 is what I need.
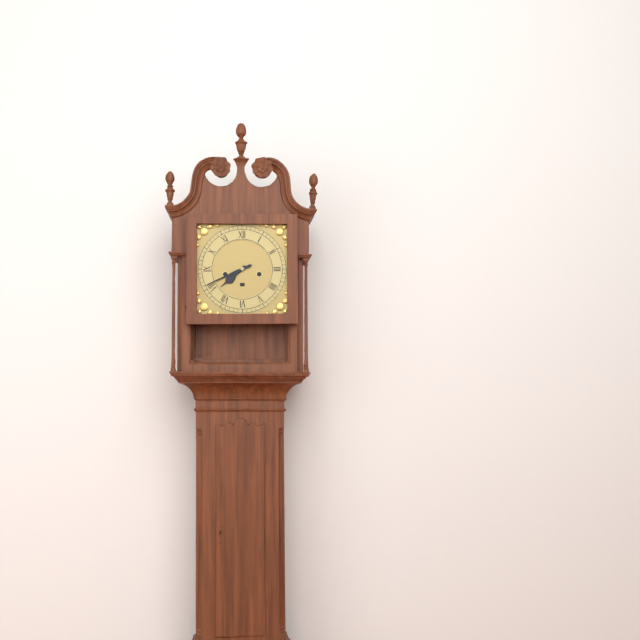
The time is h=7 m=41
